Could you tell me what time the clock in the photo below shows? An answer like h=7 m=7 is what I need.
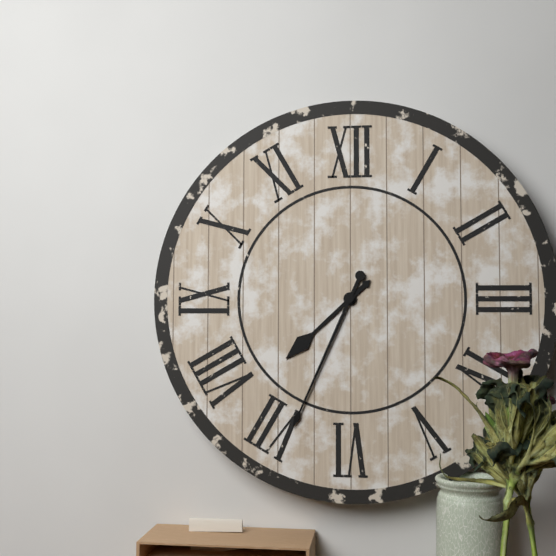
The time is h=7 m=34
